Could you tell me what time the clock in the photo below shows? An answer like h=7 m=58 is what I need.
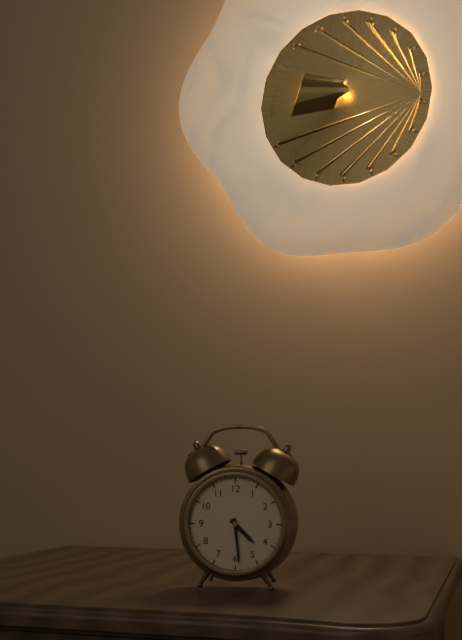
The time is h=4 m=29
